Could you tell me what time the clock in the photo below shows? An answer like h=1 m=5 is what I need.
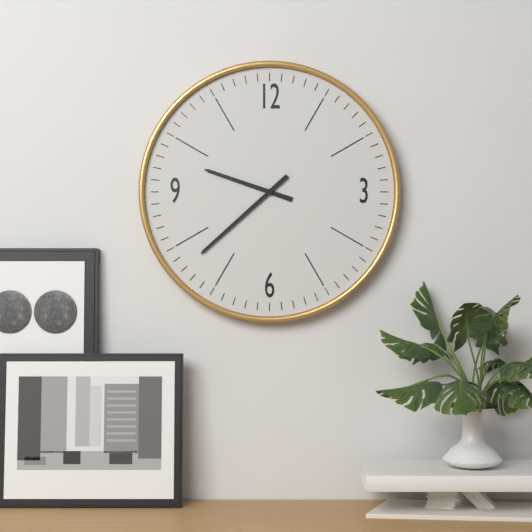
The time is h=9 m=38
